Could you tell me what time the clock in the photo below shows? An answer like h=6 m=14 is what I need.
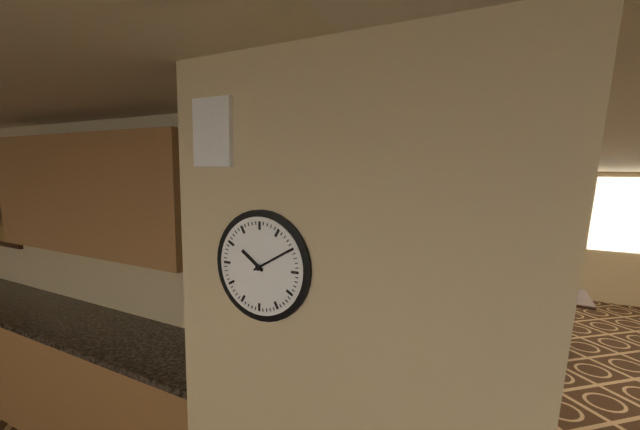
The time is h=10 m=10
